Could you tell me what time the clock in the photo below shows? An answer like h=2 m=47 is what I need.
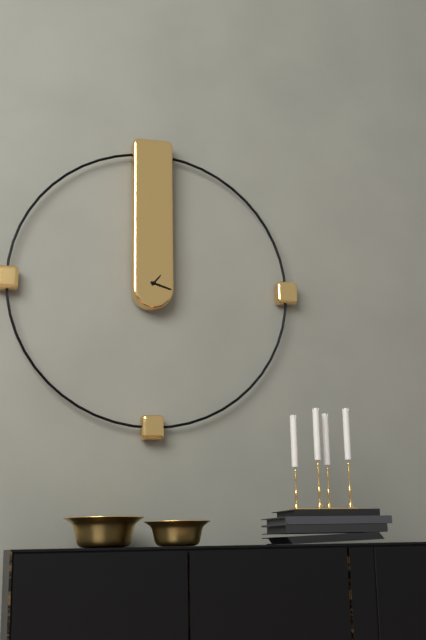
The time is h=1 m=18
